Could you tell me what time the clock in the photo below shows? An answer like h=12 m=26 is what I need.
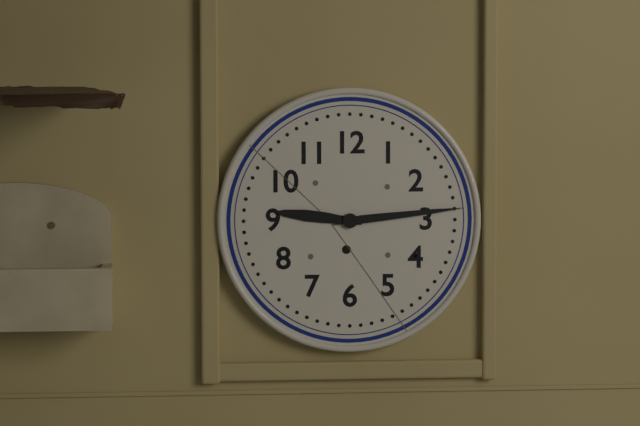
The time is h=9 m=14
